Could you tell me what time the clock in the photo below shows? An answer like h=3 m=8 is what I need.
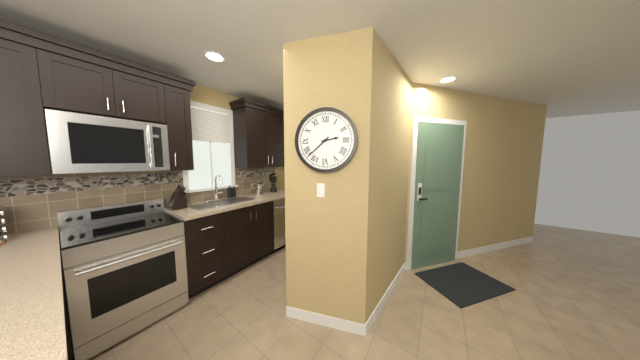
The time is h=2 m=38
